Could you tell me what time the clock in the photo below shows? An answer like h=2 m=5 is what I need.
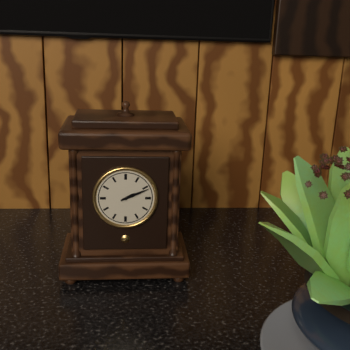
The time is h=2 m=11
